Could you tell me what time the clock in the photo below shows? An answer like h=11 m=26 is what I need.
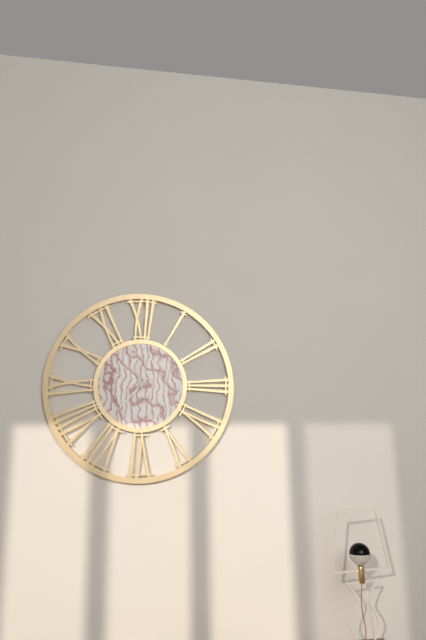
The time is h=11 m=37
